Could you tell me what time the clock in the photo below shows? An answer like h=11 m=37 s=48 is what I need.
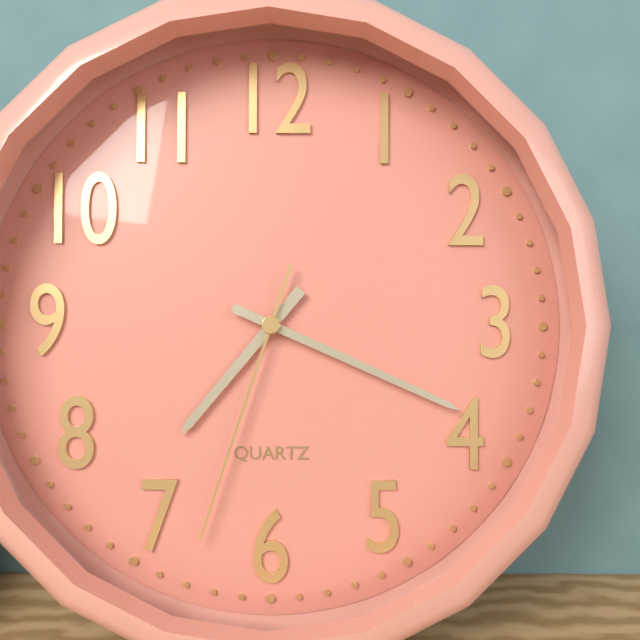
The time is h=7 m=19 s=33
